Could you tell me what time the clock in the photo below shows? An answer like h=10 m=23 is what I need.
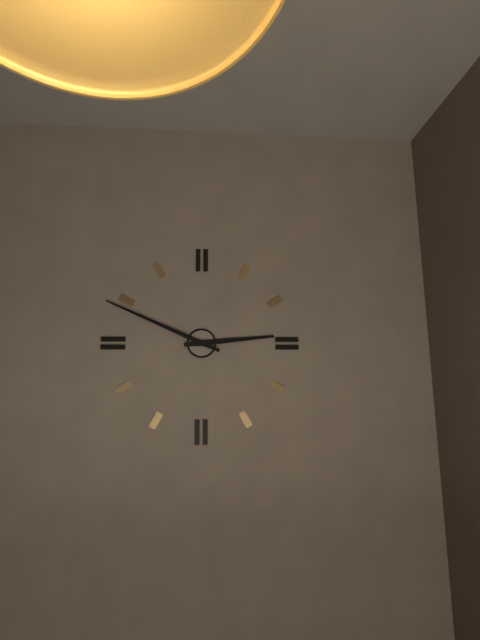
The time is h=2 m=49
